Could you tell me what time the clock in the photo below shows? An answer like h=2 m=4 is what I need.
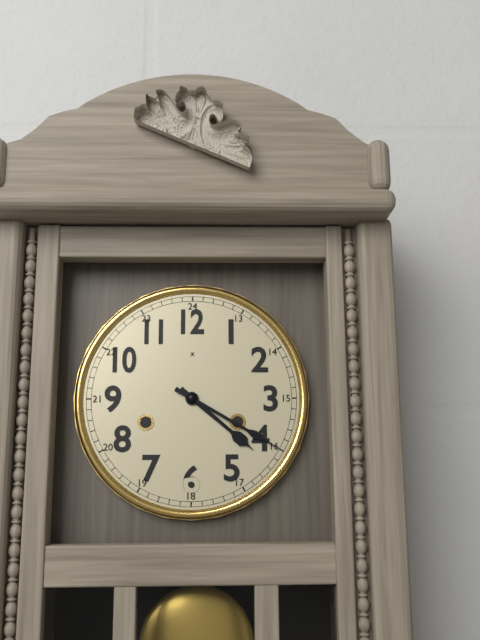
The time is h=4 m=20
